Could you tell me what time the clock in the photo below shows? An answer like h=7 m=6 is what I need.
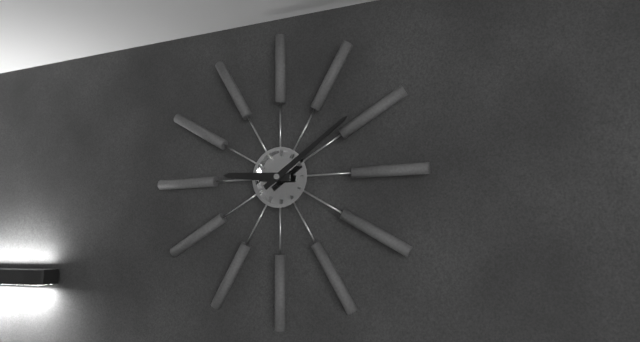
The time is h=9 m=9
